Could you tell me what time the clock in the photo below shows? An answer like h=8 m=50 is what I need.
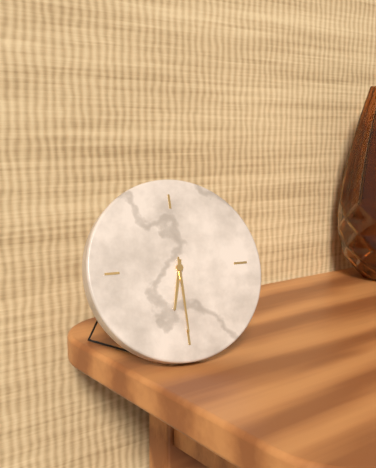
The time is h=6 m=30
